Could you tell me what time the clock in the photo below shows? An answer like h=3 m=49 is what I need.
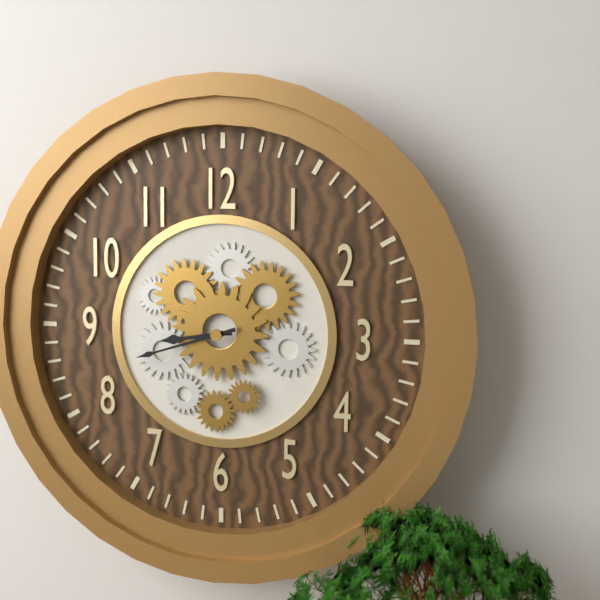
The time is h=8 m=42
